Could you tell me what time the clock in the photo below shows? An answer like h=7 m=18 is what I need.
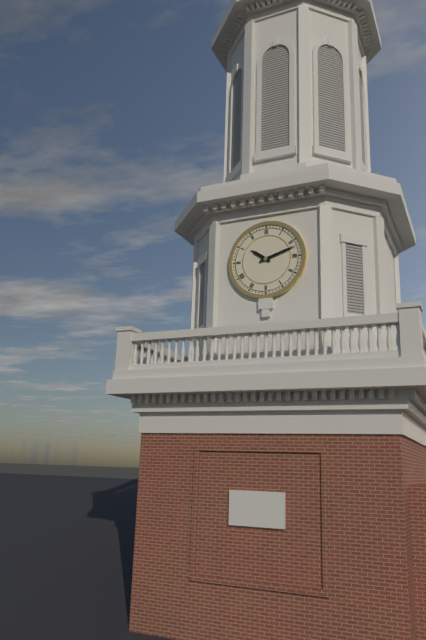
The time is h=10 m=12
